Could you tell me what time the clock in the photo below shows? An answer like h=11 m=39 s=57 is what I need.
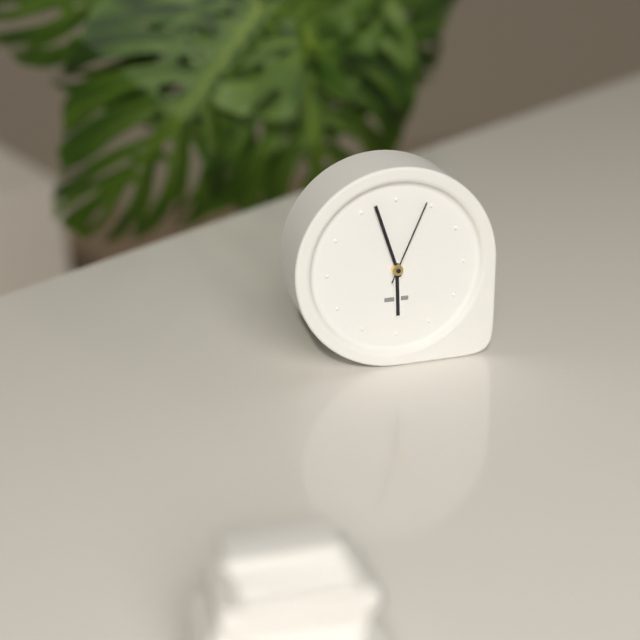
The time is h=5 m=57 s=4
